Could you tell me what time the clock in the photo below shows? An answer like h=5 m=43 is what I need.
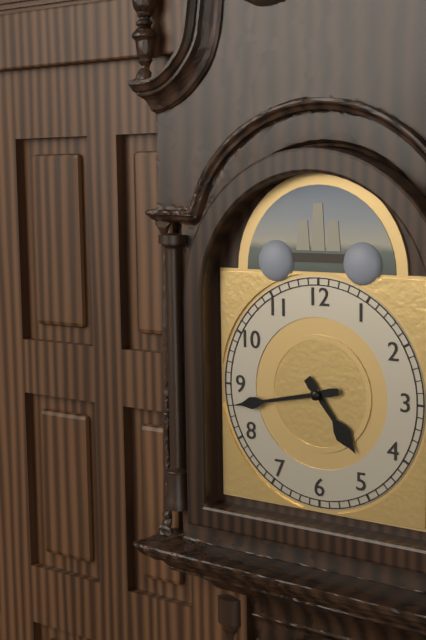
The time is h=4 m=43
